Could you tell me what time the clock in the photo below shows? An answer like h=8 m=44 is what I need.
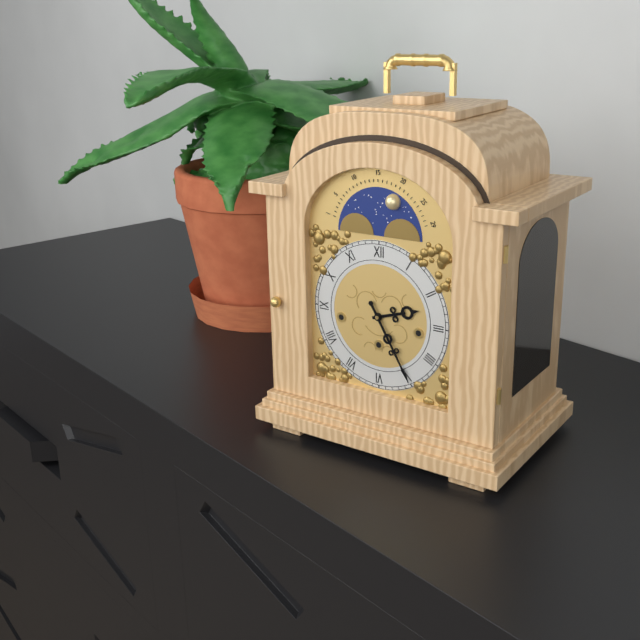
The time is h=2 m=25
